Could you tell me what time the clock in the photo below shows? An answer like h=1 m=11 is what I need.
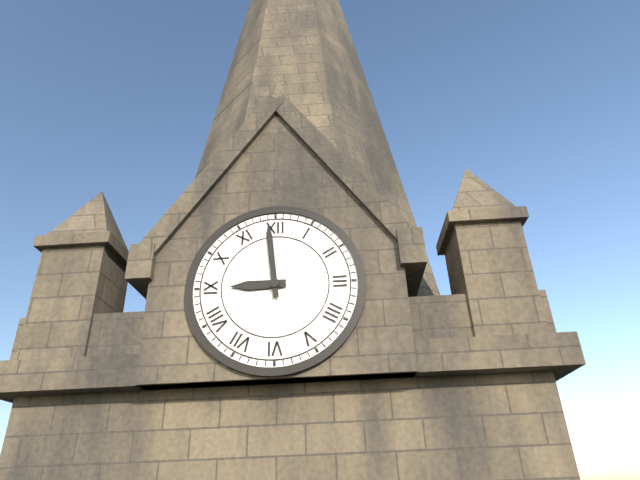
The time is h=8 m=59
